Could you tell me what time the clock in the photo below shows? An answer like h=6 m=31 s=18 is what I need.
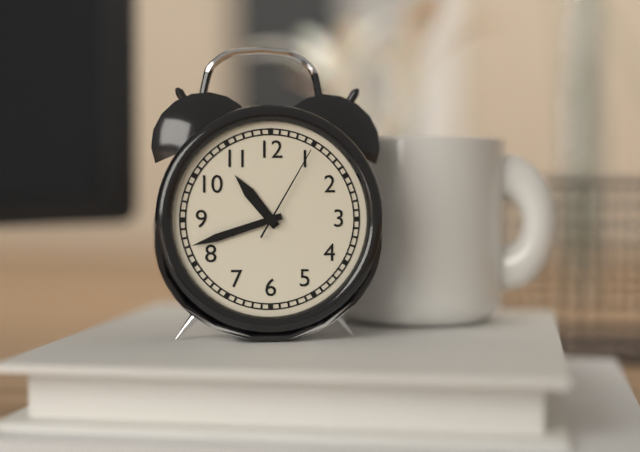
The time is h=10 m=42 s=5
